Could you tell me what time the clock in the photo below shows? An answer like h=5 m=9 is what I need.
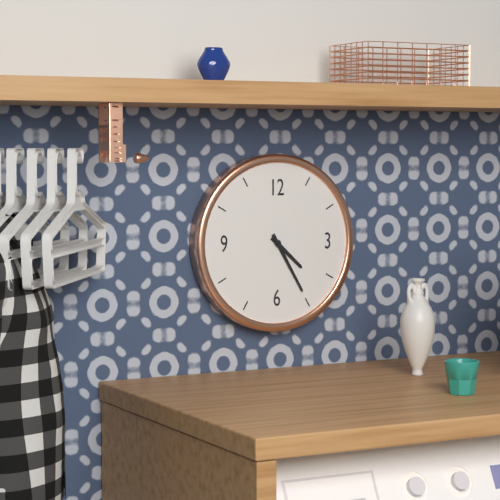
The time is h=4 m=25
